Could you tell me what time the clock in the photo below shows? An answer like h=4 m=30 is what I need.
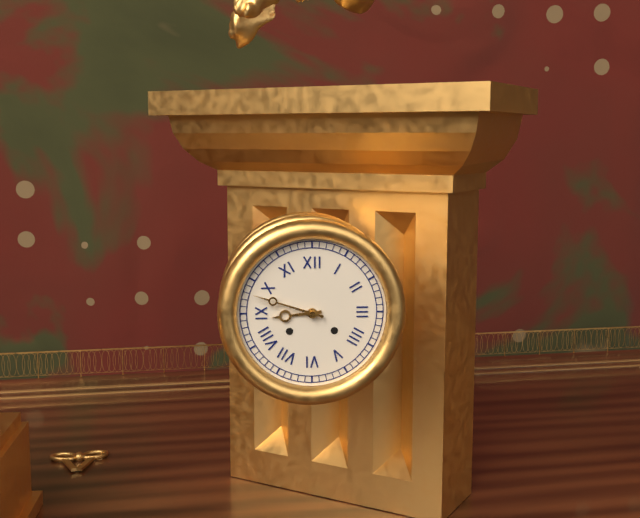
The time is h=8 m=48
